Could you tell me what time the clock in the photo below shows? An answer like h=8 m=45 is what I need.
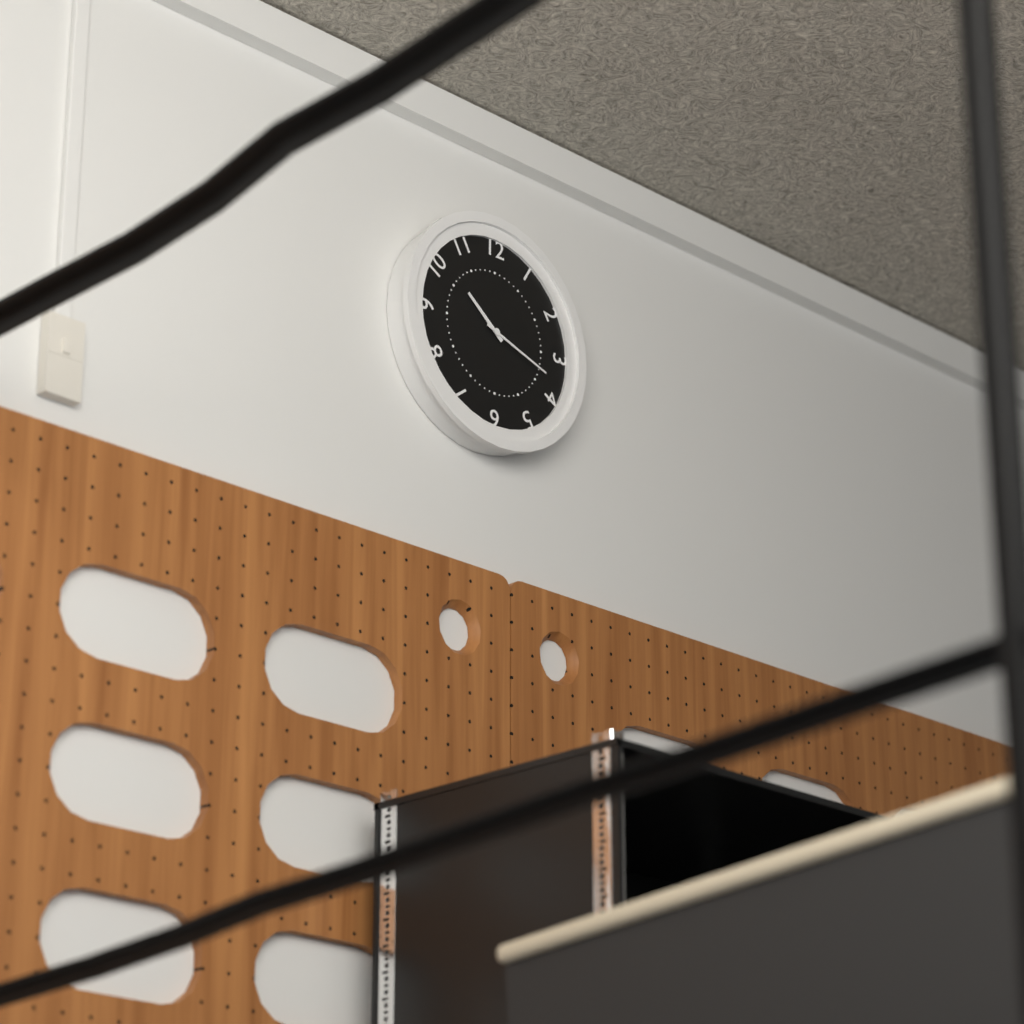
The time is h=10 m=18
